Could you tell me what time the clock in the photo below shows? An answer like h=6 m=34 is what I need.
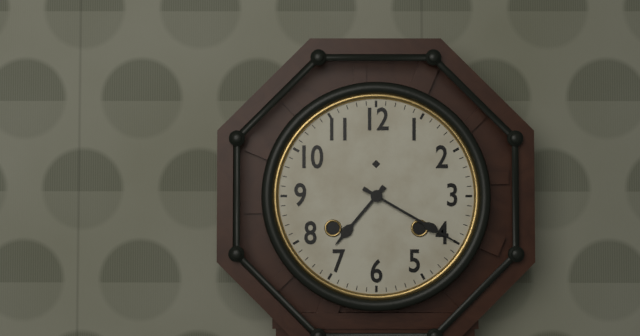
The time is h=7 m=20
